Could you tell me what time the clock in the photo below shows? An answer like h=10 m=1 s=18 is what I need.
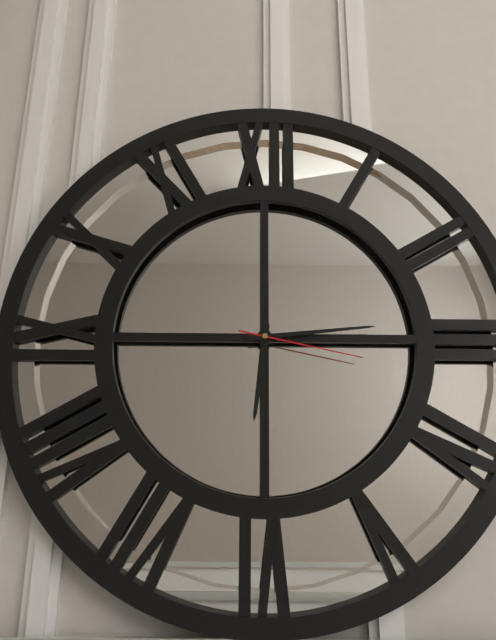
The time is h=6 m=14 s=17
